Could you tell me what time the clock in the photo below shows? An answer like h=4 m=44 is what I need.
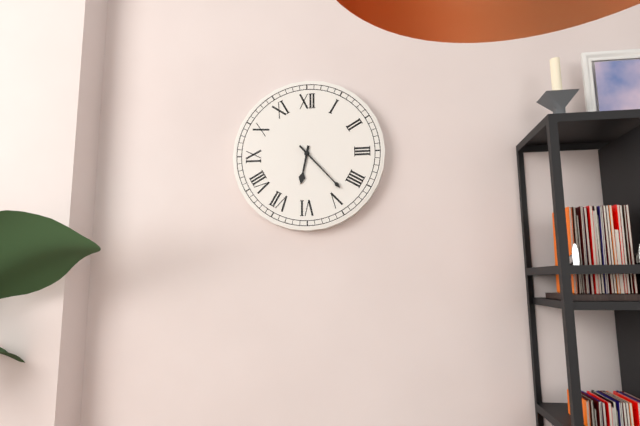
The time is h=6 m=23
